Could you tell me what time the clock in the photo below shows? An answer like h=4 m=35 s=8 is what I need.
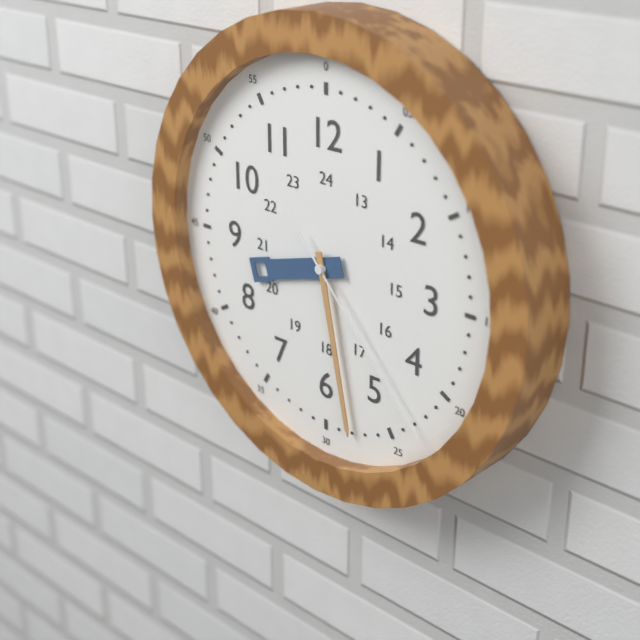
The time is h=8 m=28 s=23
